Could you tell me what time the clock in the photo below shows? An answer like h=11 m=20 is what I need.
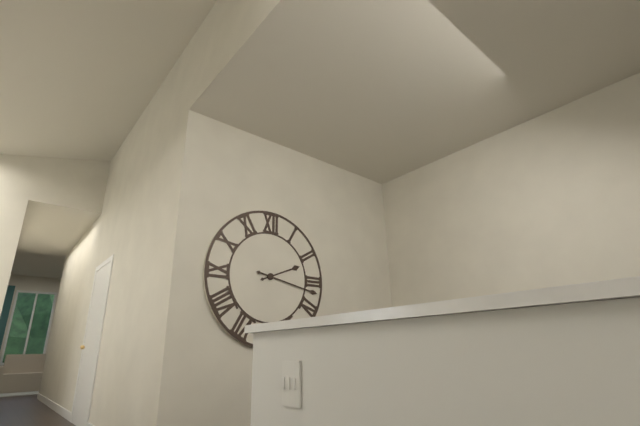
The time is h=2 m=17
